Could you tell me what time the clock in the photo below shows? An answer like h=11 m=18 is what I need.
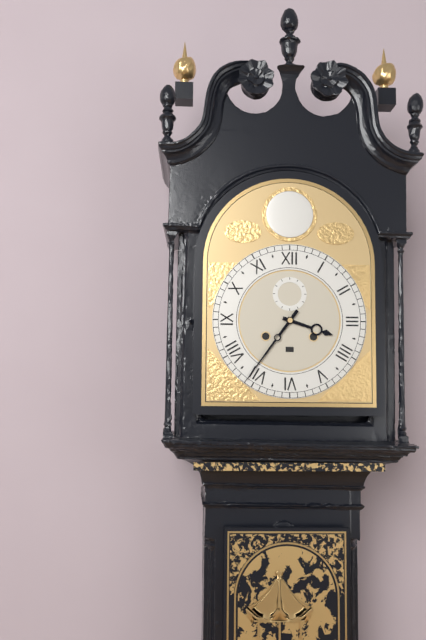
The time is h=3 m=36
